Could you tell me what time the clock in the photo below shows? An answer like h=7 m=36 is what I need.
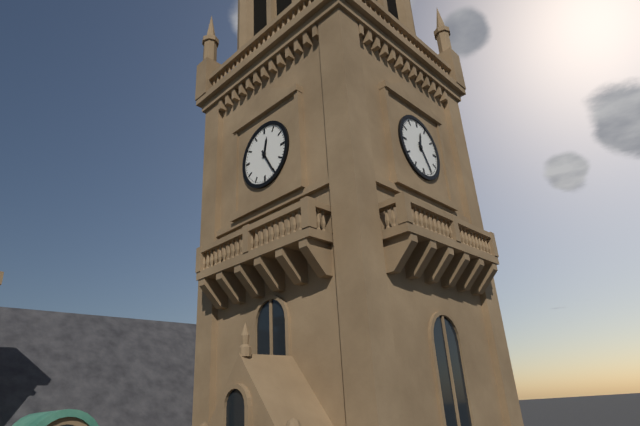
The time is h=12 m=25
